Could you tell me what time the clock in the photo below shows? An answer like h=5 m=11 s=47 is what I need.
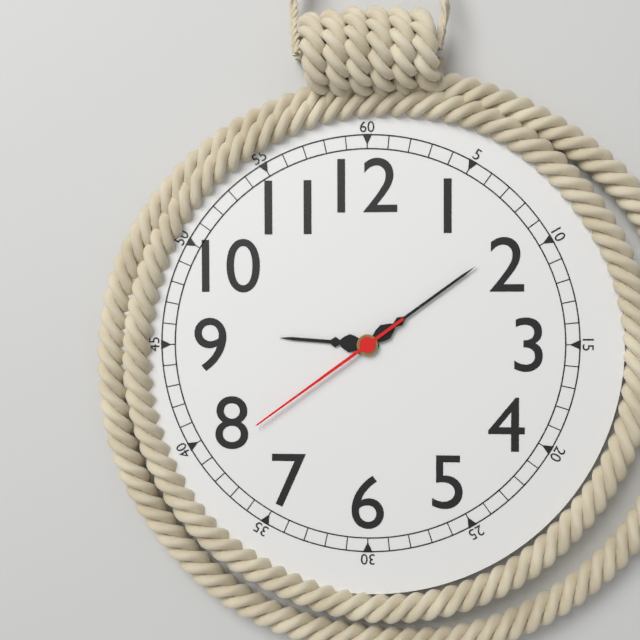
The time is h=9 m=9 s=39
